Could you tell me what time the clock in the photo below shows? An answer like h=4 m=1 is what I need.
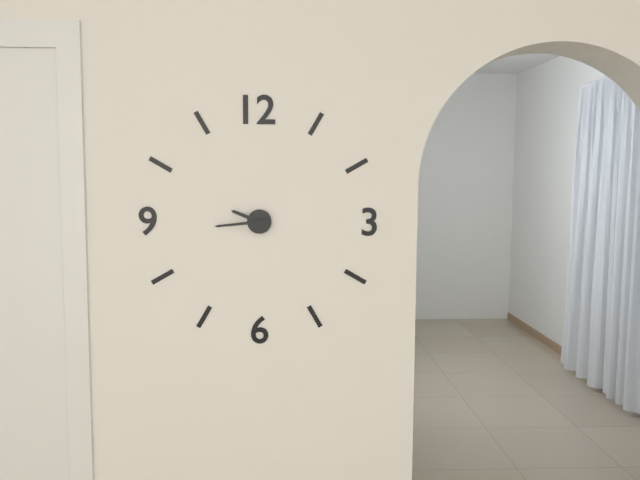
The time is h=9 m=44
